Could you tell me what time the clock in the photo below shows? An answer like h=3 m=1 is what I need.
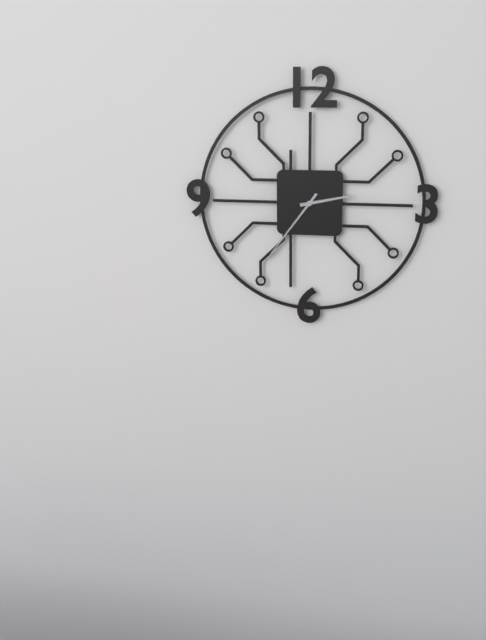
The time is h=2 m=36
